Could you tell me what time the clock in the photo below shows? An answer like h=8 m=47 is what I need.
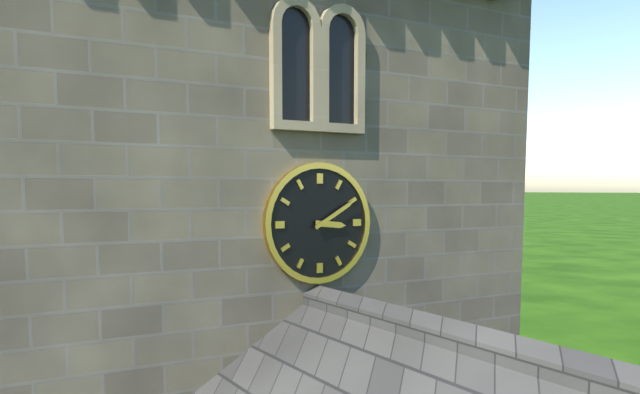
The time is h=3 m=10
